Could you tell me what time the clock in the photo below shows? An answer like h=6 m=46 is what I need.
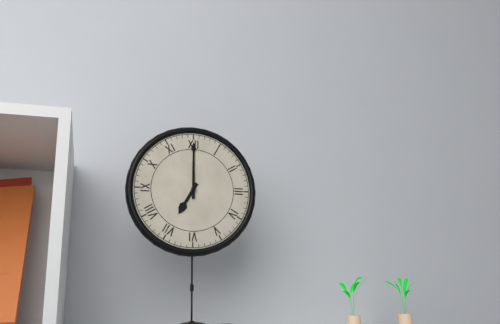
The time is h=7 m=0
